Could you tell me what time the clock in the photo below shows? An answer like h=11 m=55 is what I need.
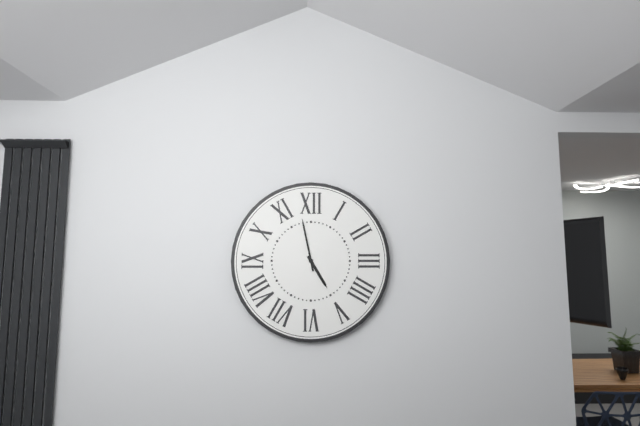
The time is h=4 m=58
